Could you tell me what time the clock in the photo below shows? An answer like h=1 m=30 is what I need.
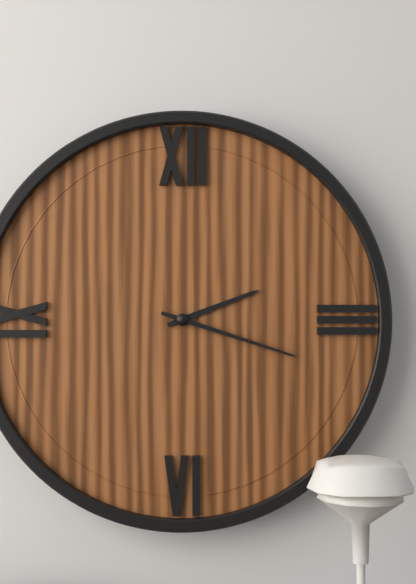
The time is h=2 m=18
